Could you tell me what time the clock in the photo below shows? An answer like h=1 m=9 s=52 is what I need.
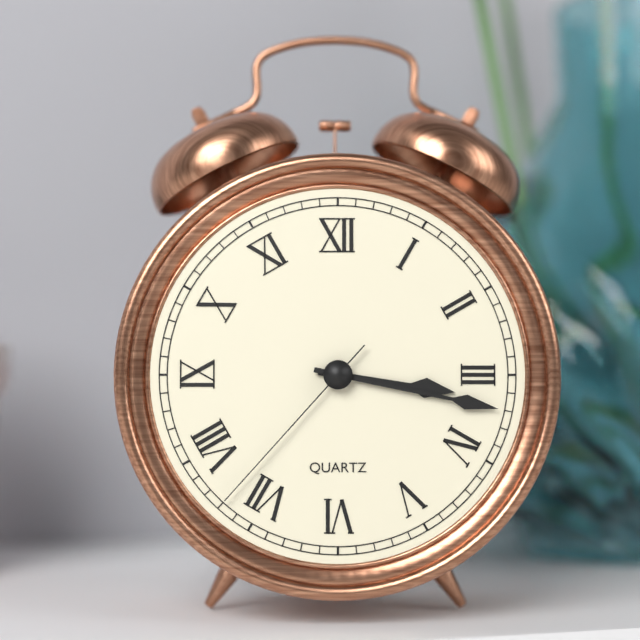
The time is h=3 m=17 s=37
